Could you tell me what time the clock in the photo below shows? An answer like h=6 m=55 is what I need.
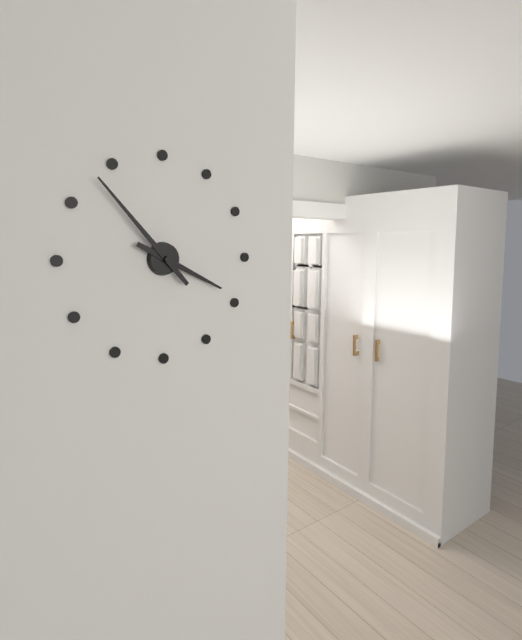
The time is h=3 m=53
